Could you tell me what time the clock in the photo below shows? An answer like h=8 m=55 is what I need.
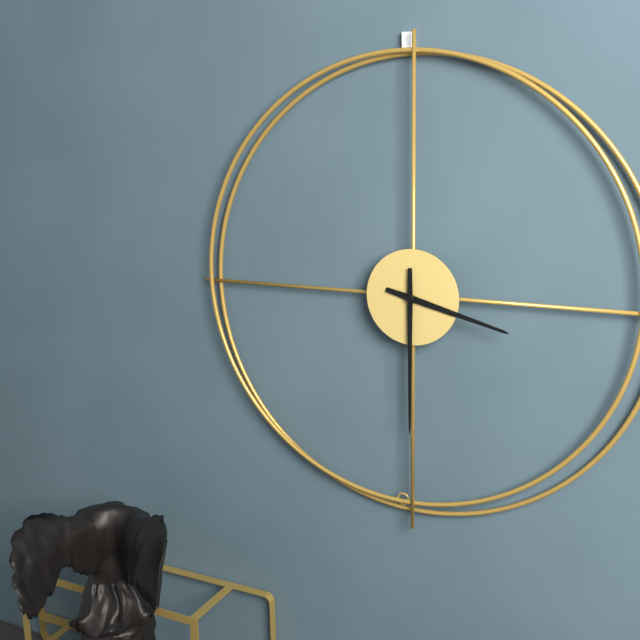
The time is h=3 m=30
